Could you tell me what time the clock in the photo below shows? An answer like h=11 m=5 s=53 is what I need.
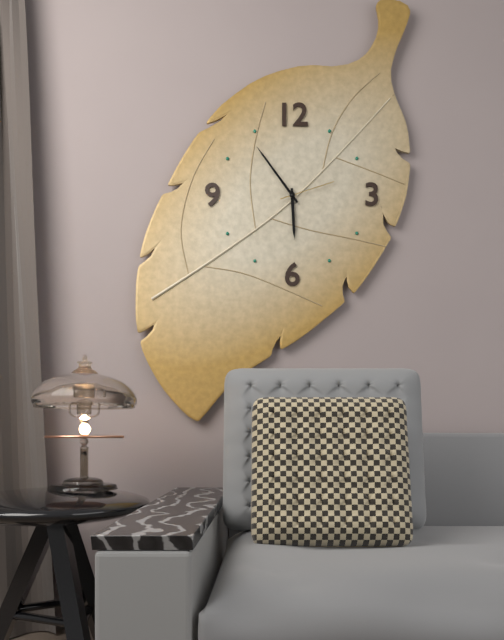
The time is h=5 m=54 s=12
